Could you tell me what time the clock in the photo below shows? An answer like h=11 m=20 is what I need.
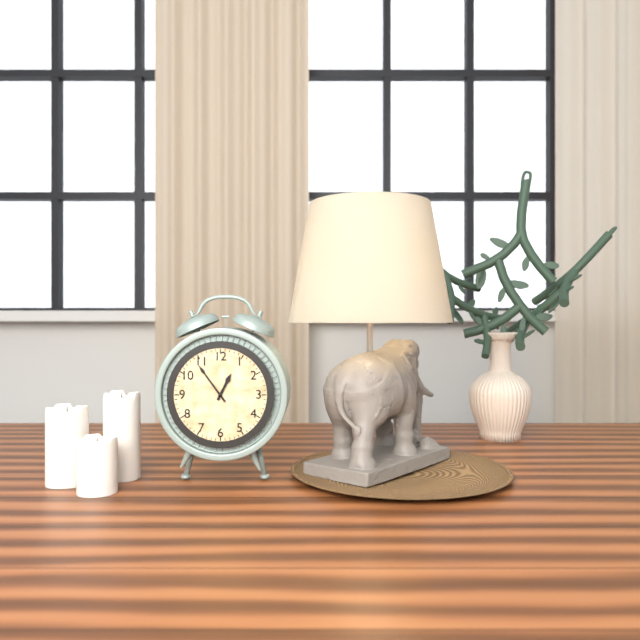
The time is h=12 m=54
